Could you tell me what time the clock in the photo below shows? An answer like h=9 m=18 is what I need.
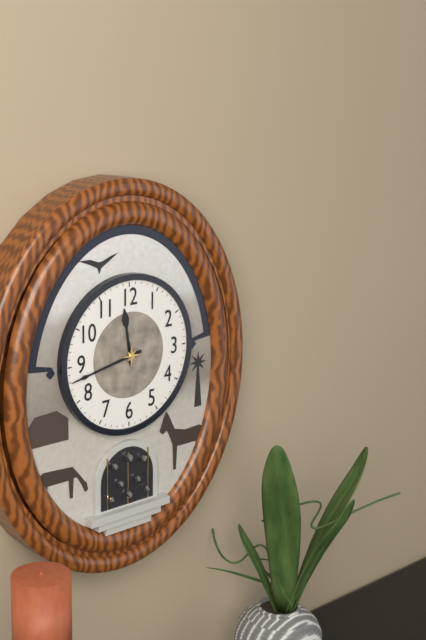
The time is h=11 m=43
